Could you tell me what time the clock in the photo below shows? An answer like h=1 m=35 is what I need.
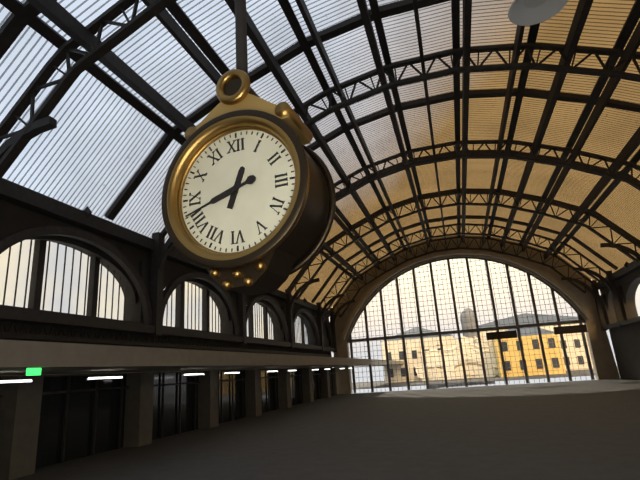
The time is h=12 m=42
